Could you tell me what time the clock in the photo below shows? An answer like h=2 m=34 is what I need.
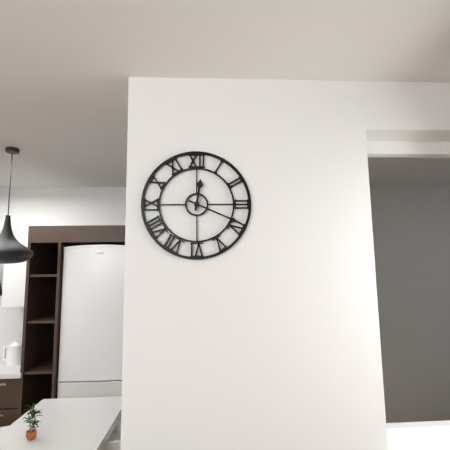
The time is h=12 m=19
